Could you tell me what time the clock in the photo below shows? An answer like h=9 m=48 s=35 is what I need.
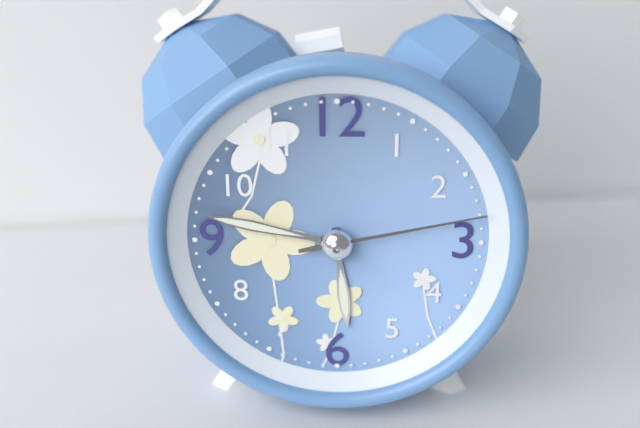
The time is h=5 m=47 s=13
